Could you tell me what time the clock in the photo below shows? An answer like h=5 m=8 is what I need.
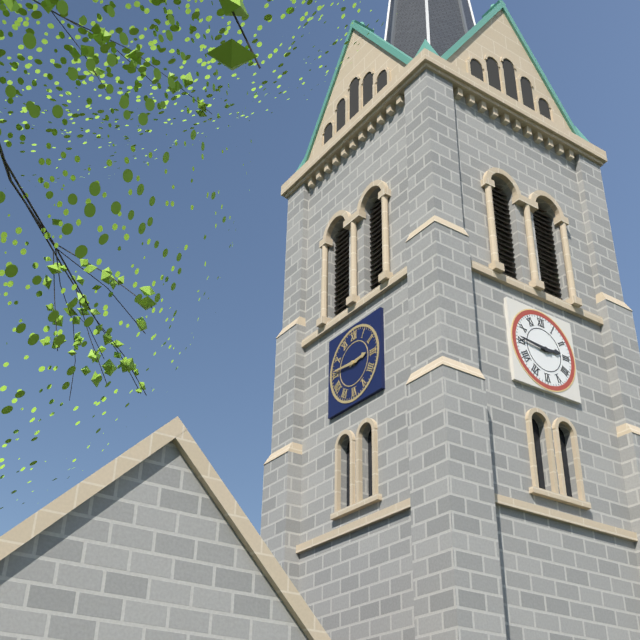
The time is h=2 m=46
